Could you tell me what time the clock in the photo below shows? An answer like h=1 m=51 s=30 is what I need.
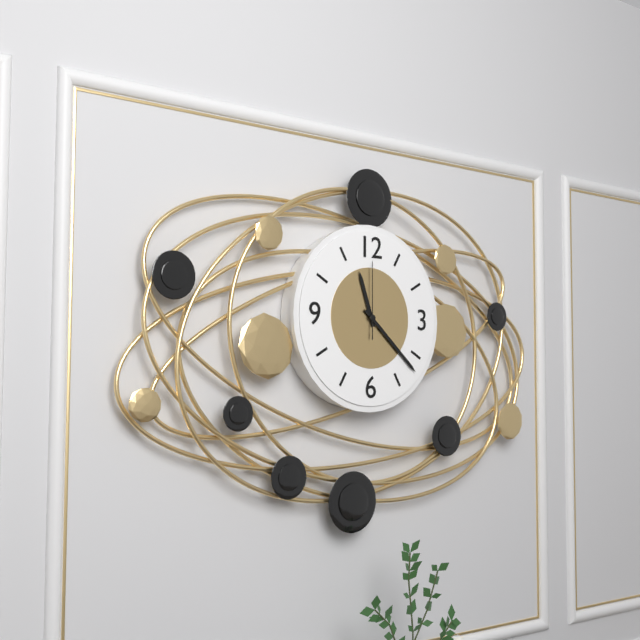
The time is h=11 m=22 s=0
